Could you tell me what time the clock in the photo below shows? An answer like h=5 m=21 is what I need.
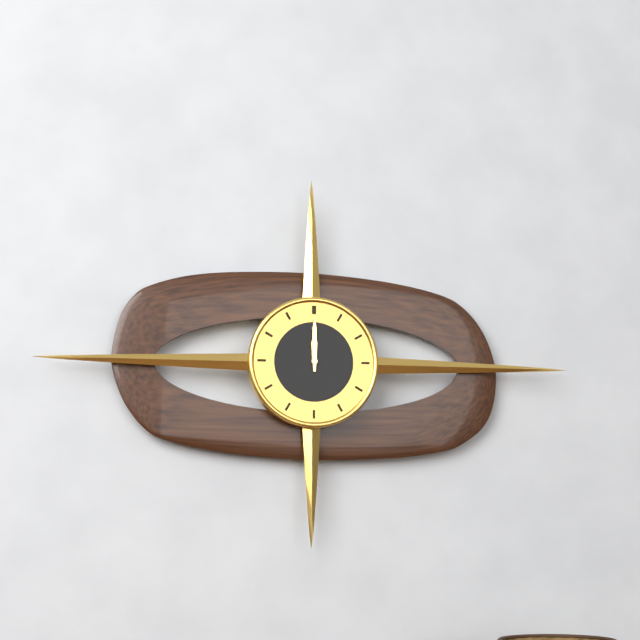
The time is h=12 m=0
